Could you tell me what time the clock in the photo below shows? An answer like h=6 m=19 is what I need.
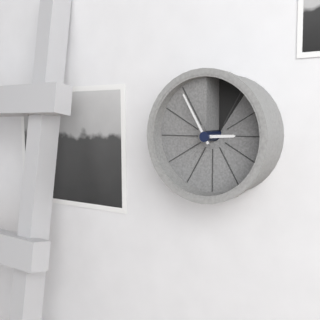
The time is h=2 m=55
